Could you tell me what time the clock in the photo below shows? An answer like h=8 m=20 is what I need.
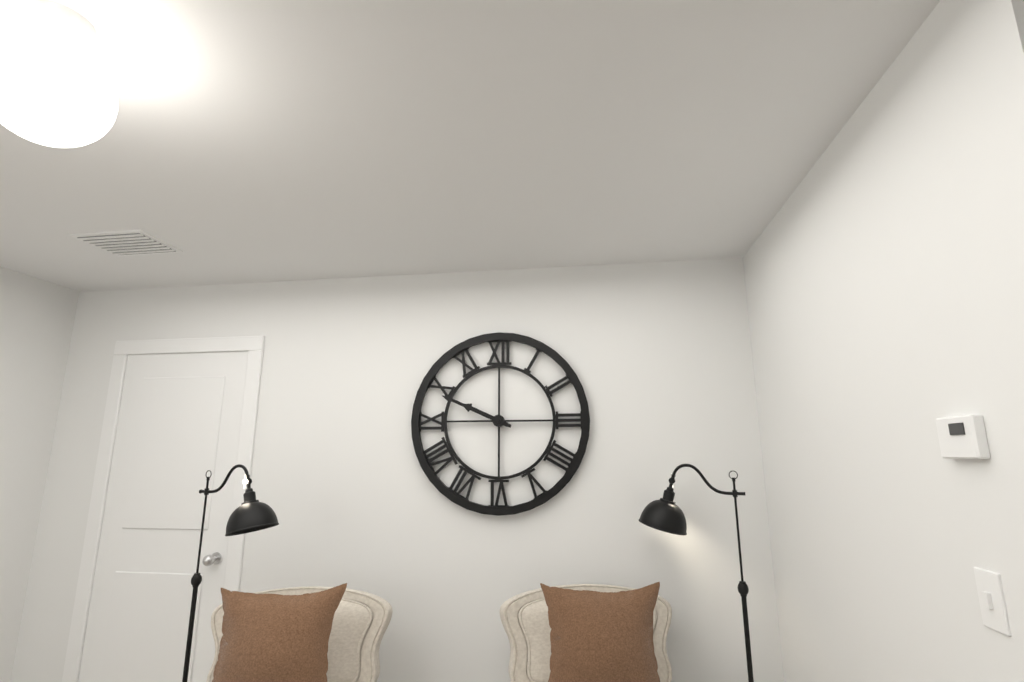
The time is h=9 m=49
